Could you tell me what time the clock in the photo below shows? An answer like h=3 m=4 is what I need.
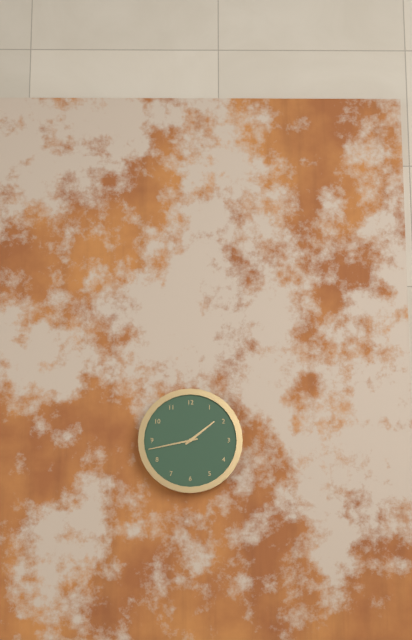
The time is h=1 m=43
